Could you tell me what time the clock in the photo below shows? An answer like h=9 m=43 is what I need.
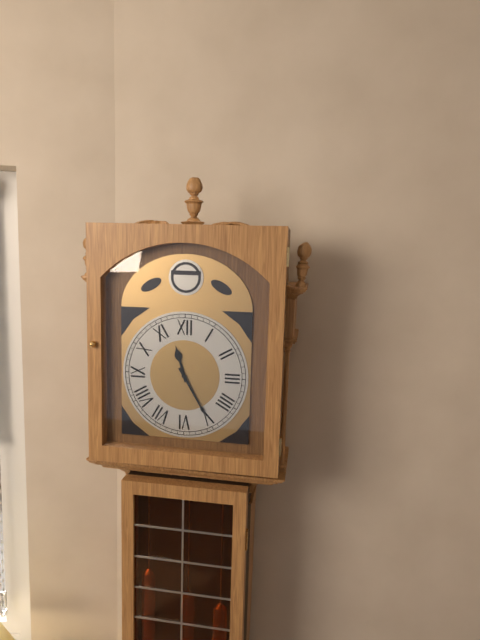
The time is h=11 m=25
